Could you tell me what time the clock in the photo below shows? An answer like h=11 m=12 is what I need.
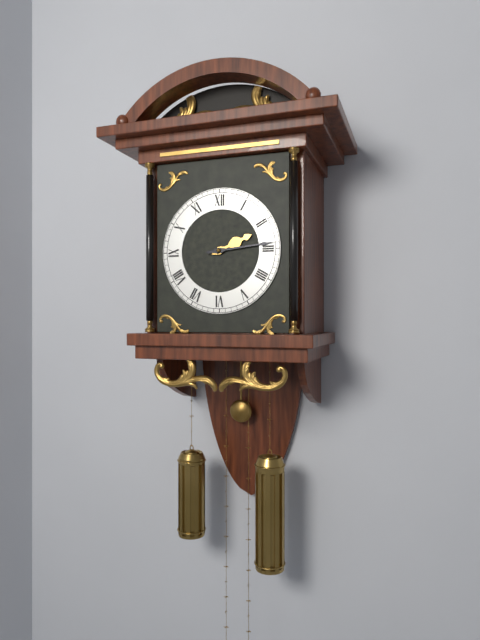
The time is h=2 m=14
